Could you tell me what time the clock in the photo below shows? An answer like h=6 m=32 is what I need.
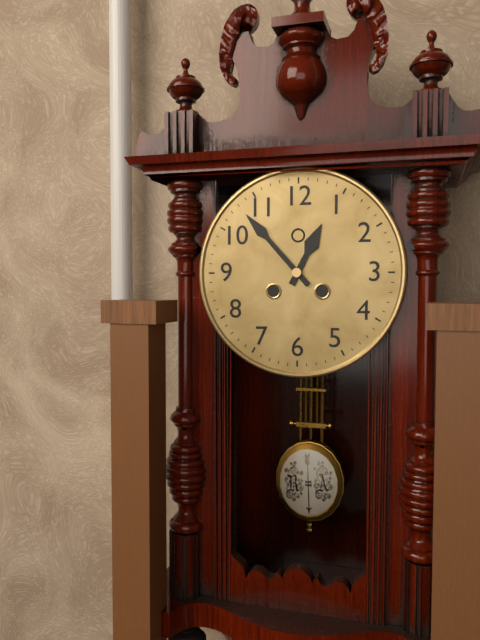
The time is h=12 m=53
